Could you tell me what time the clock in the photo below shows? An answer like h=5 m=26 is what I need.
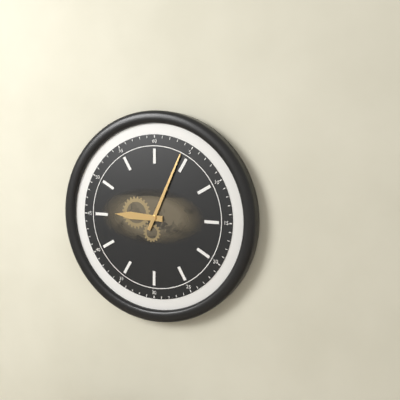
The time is h=9 m=4
